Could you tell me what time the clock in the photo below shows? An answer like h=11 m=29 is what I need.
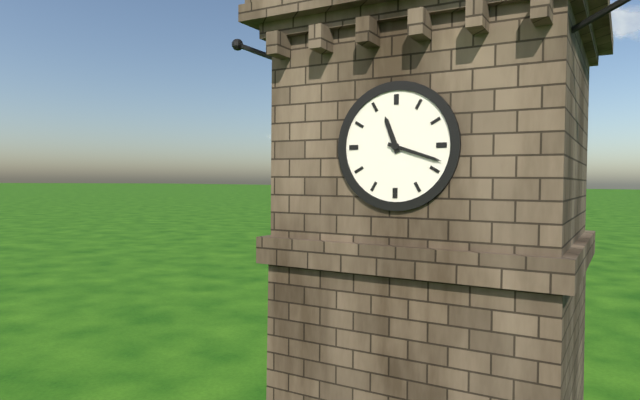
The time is h=11 m=18
